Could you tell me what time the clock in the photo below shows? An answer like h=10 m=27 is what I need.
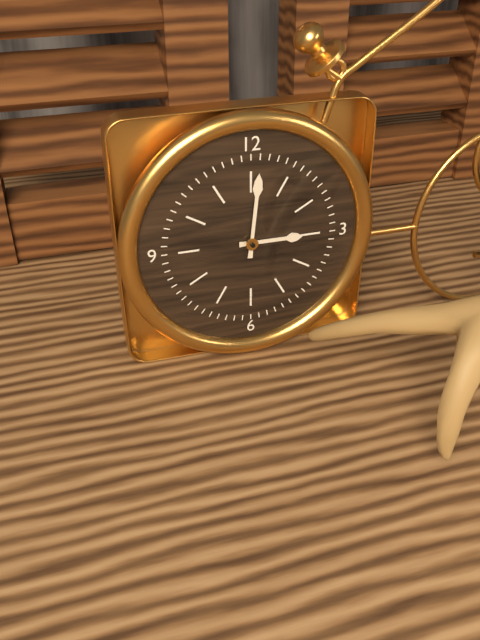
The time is h=3 m=1
